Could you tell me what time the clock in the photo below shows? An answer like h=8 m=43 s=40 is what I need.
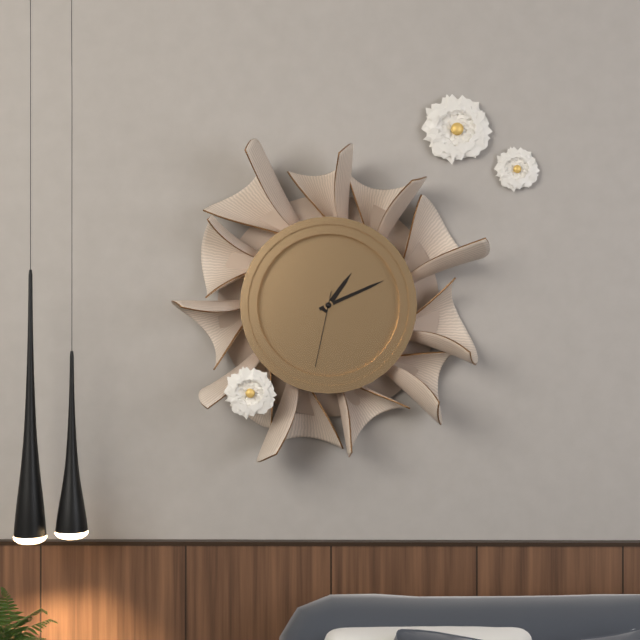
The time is h=1 m=11 s=32
